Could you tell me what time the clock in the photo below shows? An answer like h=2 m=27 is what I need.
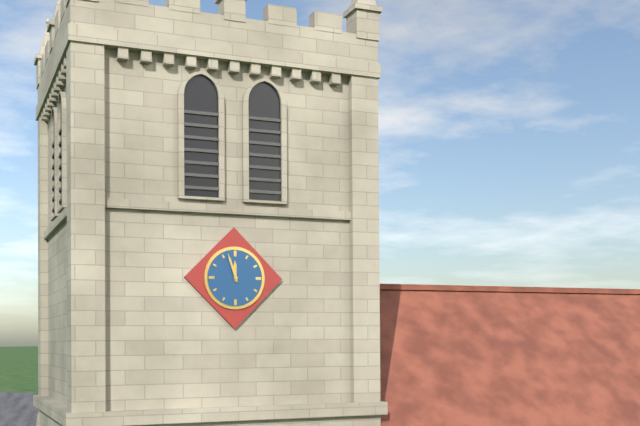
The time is h=11 m=57
